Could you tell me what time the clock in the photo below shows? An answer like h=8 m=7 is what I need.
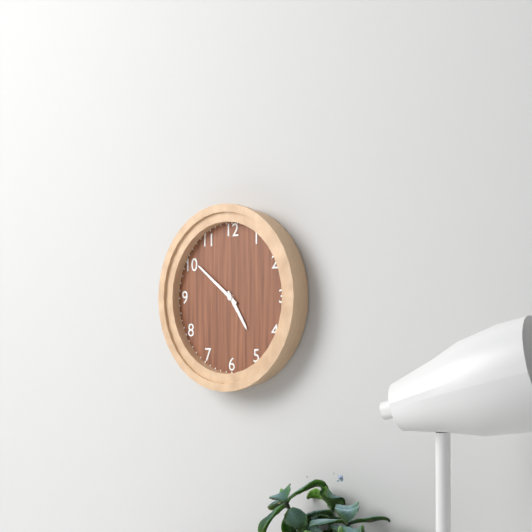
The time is h=4 m=51
